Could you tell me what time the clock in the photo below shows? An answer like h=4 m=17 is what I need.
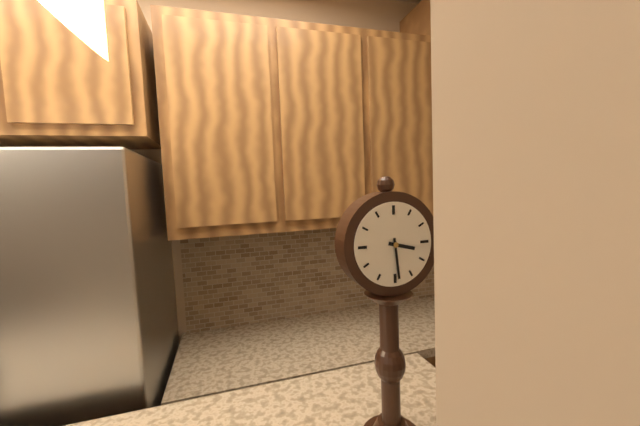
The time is h=3 m=29
